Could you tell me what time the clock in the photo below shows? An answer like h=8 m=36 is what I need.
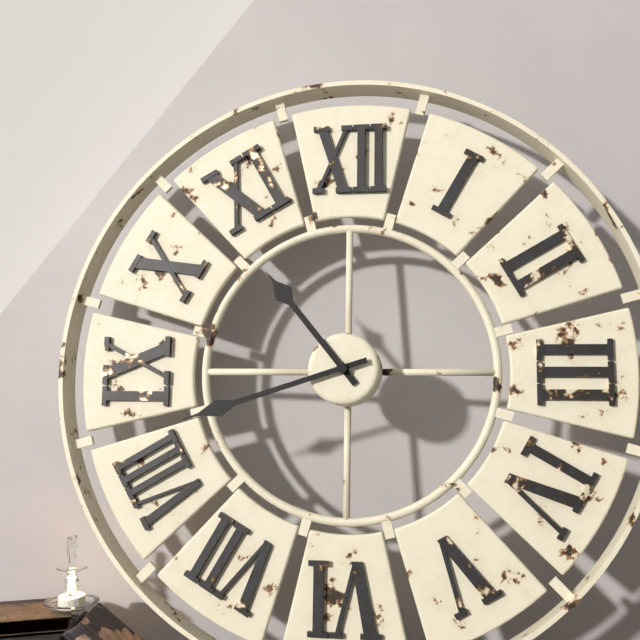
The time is h=10 m=42
